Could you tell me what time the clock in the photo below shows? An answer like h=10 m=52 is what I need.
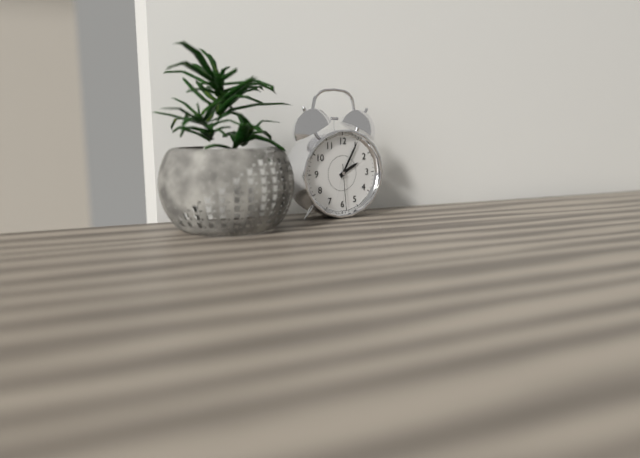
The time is h=2 m=5
